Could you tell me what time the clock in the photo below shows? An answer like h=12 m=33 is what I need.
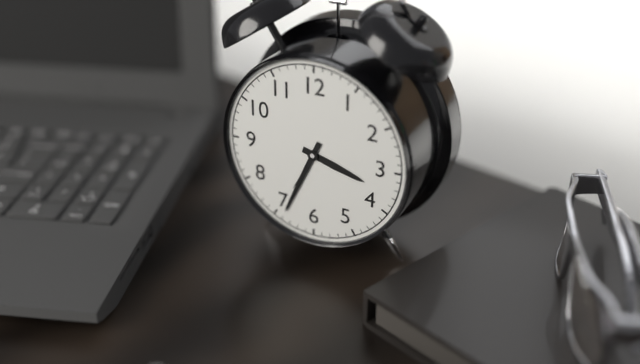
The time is h=3 m=34
